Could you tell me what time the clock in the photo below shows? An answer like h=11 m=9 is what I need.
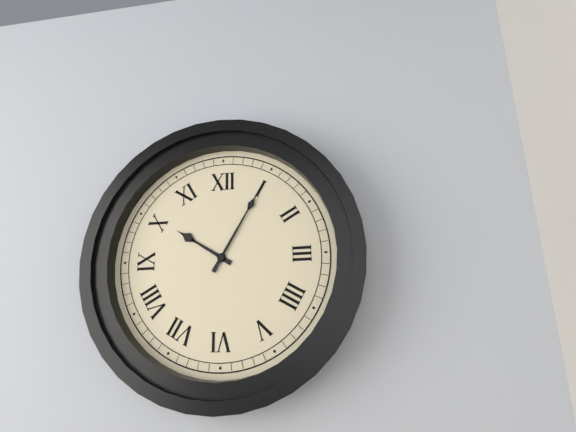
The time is h=10 m=5
